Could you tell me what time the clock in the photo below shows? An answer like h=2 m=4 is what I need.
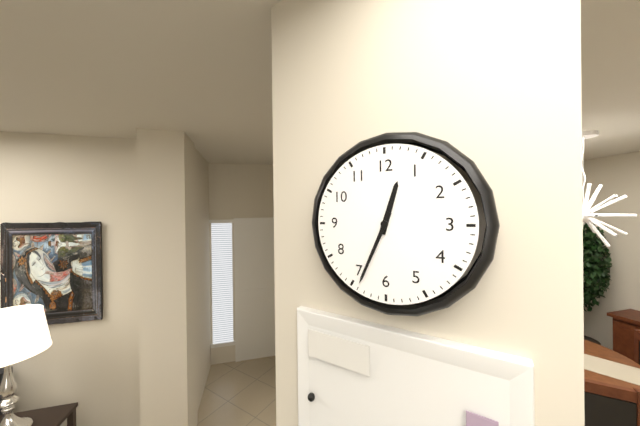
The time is h=12 m=34
